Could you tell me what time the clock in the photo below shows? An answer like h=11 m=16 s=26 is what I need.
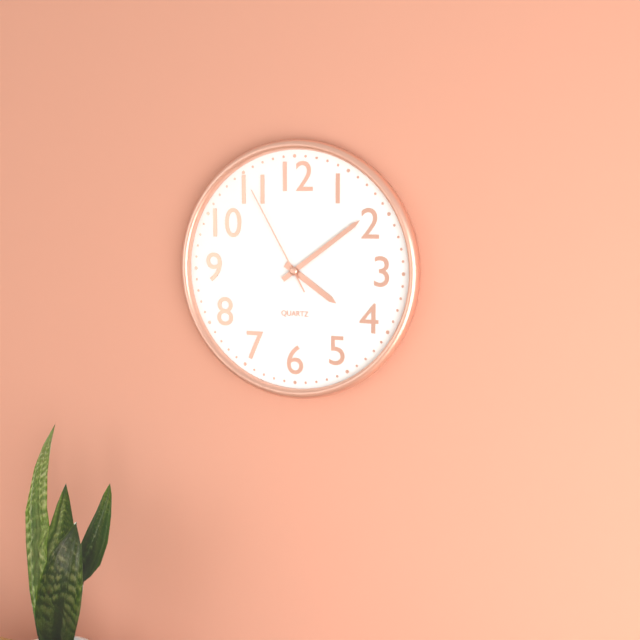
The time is h=4 m=9 s=55
